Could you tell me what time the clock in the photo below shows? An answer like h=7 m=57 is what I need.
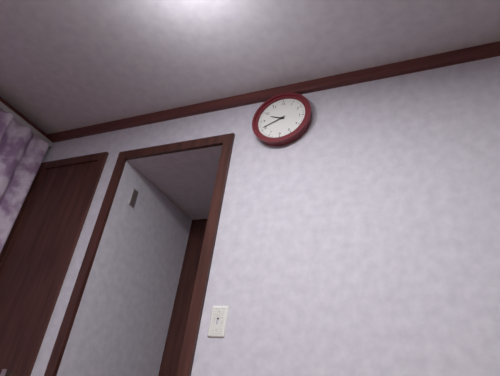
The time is h=9 m=41
